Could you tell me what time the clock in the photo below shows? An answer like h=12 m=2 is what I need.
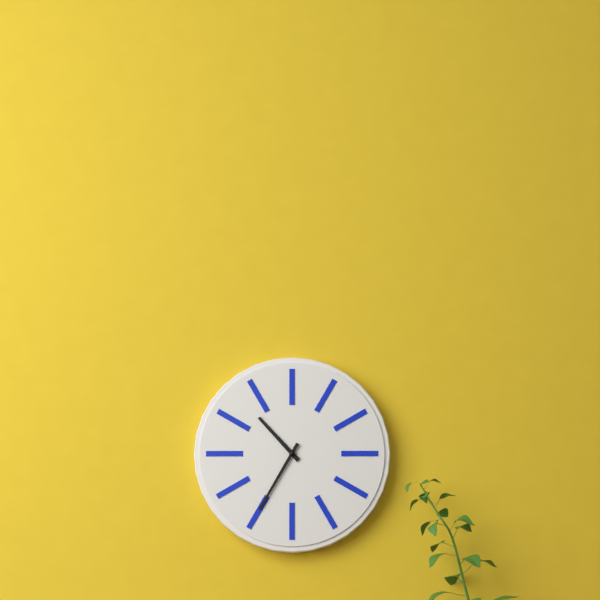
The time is h=10 m=35
